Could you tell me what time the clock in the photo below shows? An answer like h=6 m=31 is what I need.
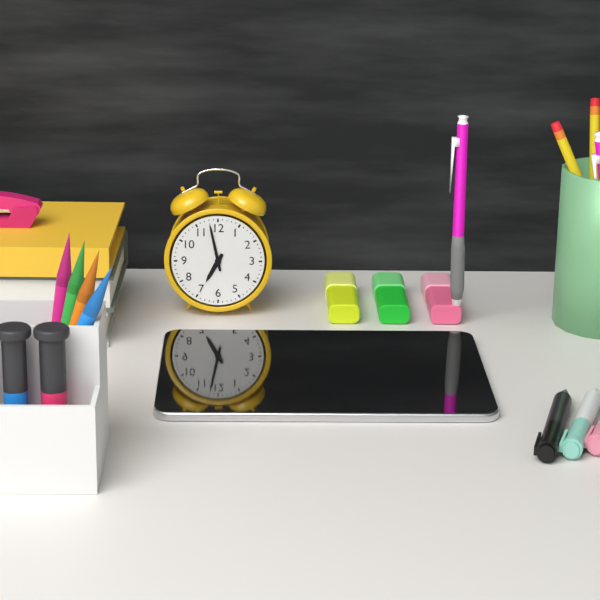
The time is h=6 m=58
